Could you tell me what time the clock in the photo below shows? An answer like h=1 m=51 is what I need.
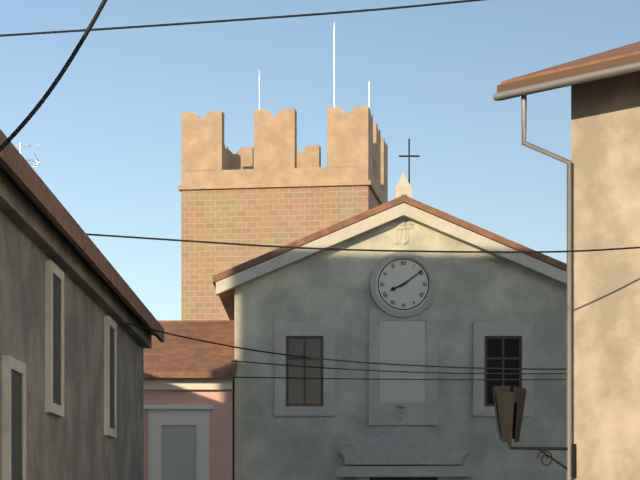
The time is h=8 m=9
